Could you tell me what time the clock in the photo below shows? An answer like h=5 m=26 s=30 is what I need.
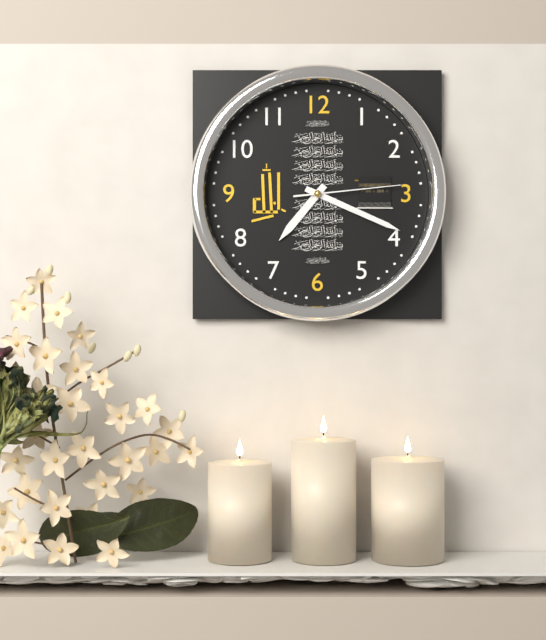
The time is h=7 m=19 s=14
